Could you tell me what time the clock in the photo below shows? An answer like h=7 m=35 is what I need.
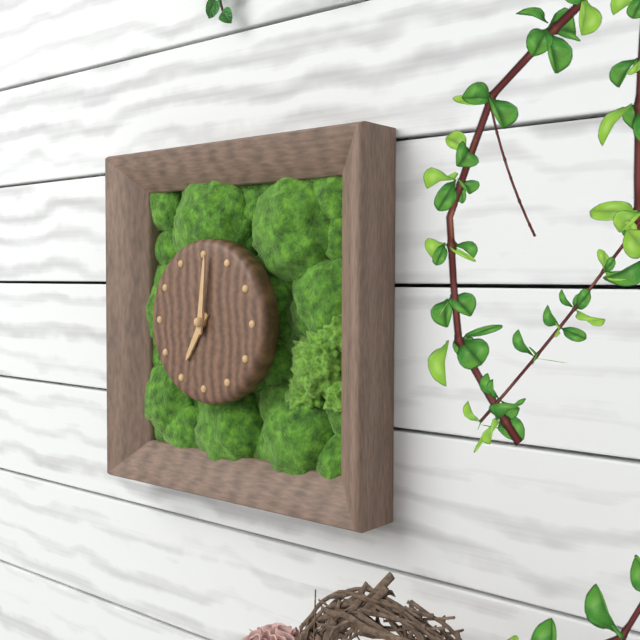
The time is h=7 m=1
